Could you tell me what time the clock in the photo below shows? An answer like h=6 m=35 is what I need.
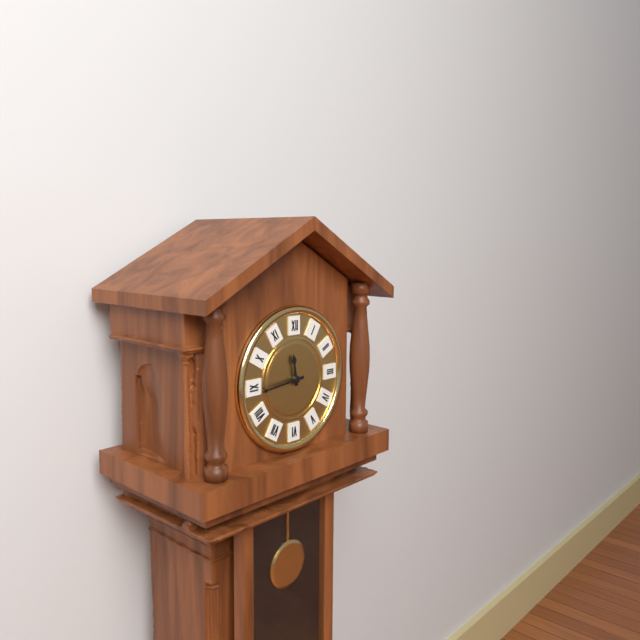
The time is h=11 m=44
